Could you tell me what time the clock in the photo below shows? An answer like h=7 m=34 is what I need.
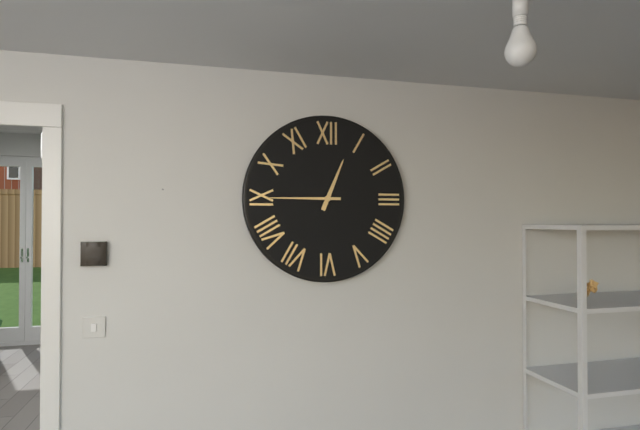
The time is h=12 m=45
